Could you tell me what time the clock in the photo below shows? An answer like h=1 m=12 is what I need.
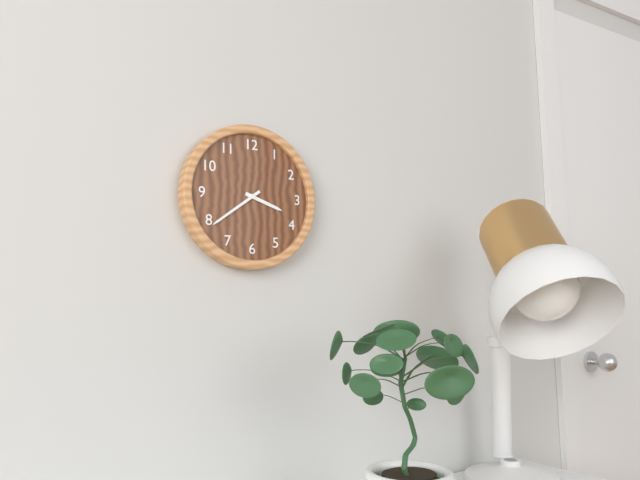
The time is h=3 m=39
